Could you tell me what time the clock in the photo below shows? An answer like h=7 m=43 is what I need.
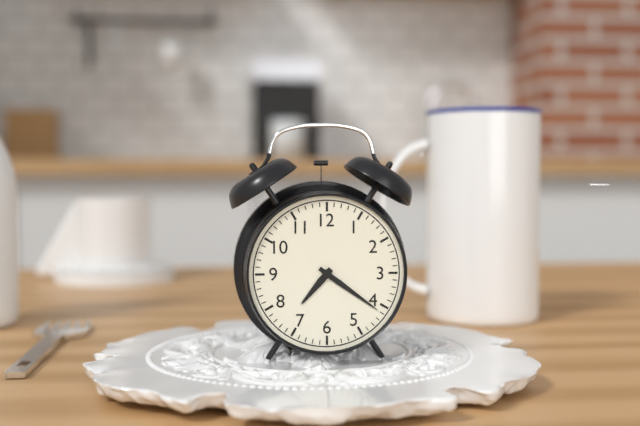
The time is h=7 m=21
